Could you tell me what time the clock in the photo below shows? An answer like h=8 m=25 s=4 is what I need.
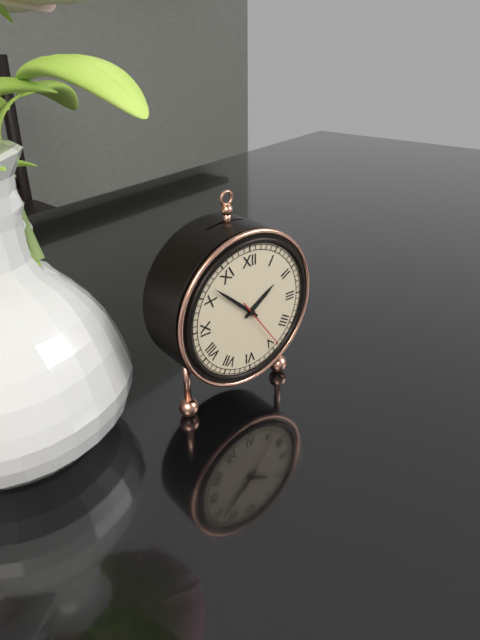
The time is h=1 m=52 s=24
